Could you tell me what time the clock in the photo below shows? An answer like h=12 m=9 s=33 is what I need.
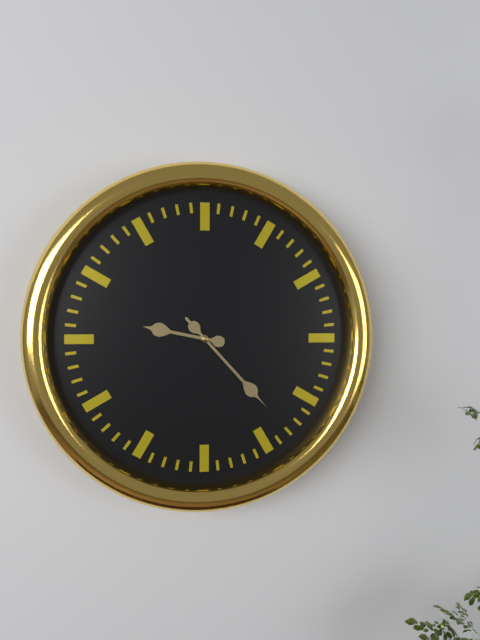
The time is h=9 m=23 s=23
